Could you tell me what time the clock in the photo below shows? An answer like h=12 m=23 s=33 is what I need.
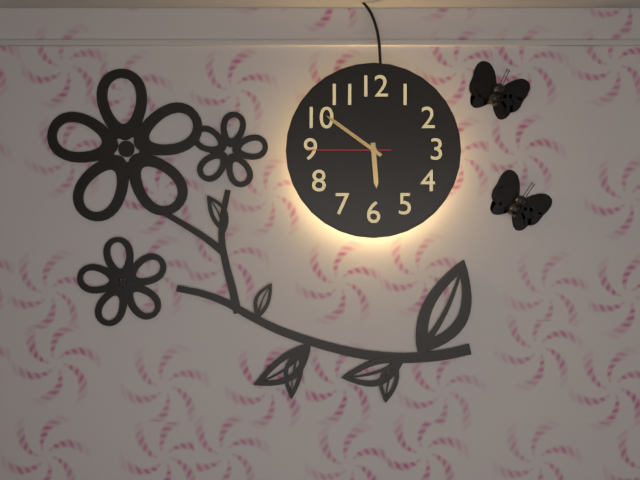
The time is h=5 m=51 s=45
